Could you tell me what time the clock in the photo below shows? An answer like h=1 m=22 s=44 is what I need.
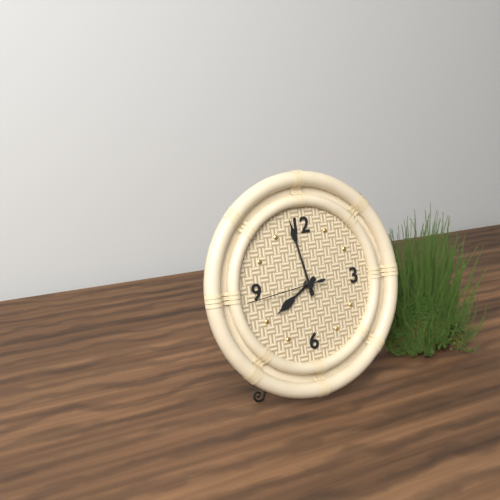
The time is h=7 m=58 s=44
